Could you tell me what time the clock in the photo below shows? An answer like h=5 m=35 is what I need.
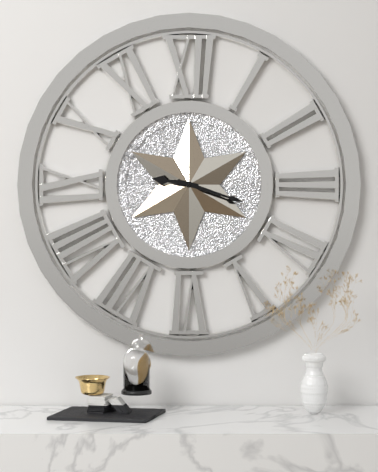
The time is h=9 m=18
